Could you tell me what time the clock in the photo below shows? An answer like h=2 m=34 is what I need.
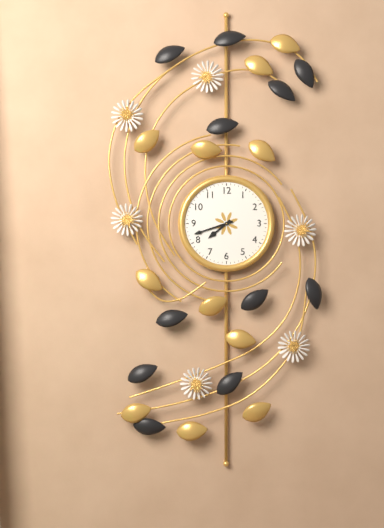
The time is h=7 m=42
